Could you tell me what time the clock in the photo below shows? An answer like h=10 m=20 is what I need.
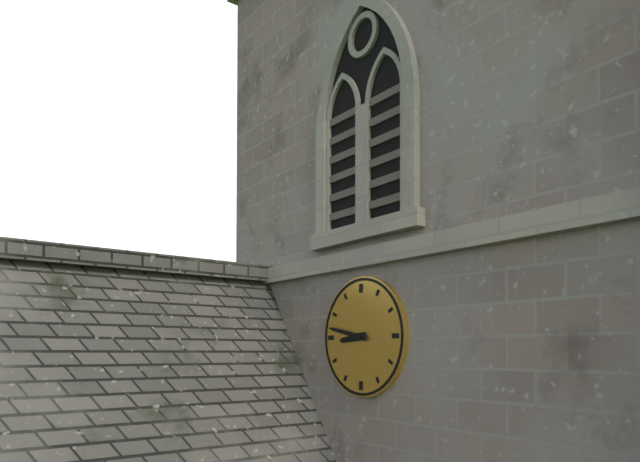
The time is h=8 m=47
